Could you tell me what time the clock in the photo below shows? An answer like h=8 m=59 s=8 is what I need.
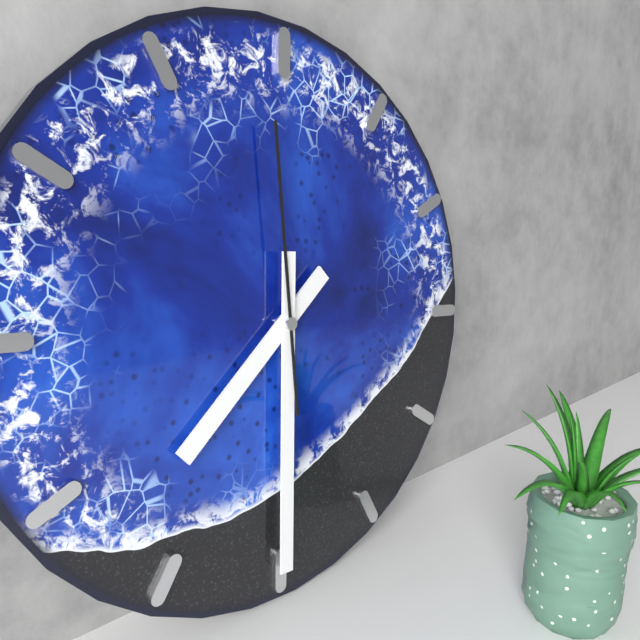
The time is h=7 m=30 s=59
